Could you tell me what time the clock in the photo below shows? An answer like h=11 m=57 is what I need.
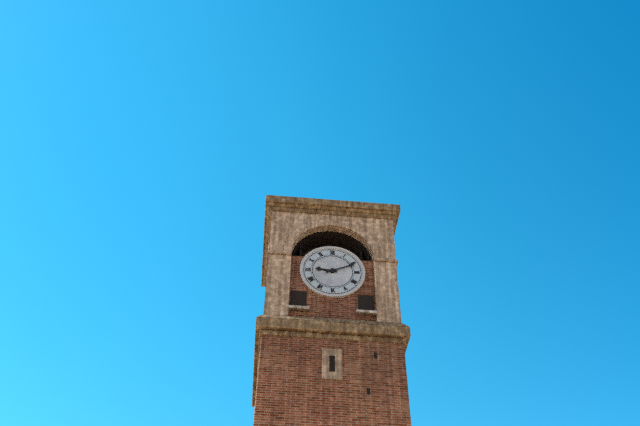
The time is h=9 m=11
